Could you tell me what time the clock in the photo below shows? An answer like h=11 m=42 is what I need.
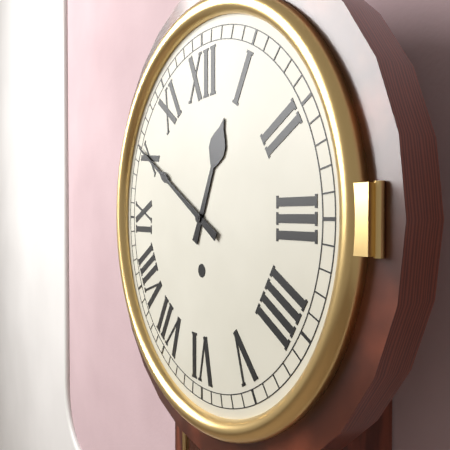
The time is h=12 m=50
